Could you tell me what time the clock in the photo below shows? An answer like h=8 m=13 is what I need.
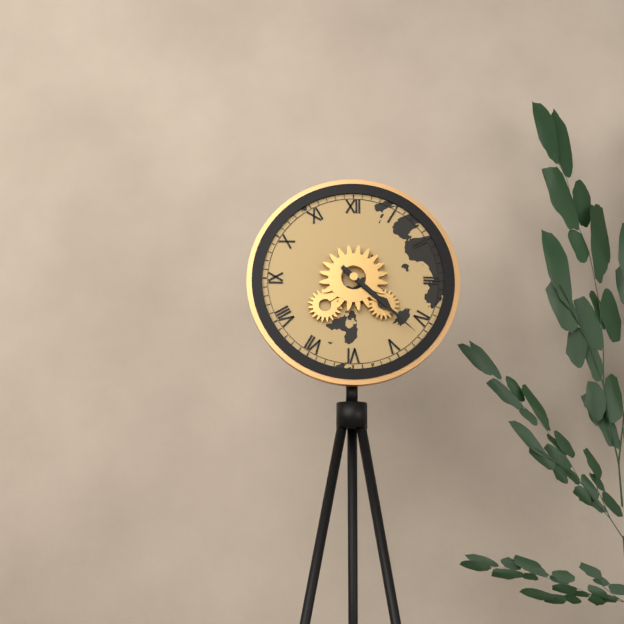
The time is h=4 m=22
